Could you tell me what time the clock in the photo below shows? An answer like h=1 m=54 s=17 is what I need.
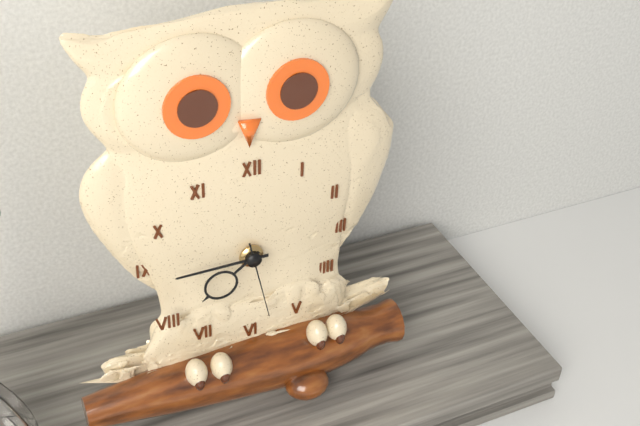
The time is h=7 m=45 s=28
